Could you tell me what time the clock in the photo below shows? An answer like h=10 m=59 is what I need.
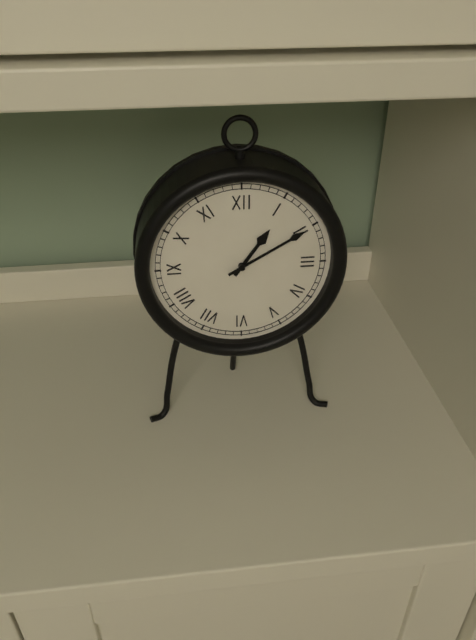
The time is h=1 m=10
